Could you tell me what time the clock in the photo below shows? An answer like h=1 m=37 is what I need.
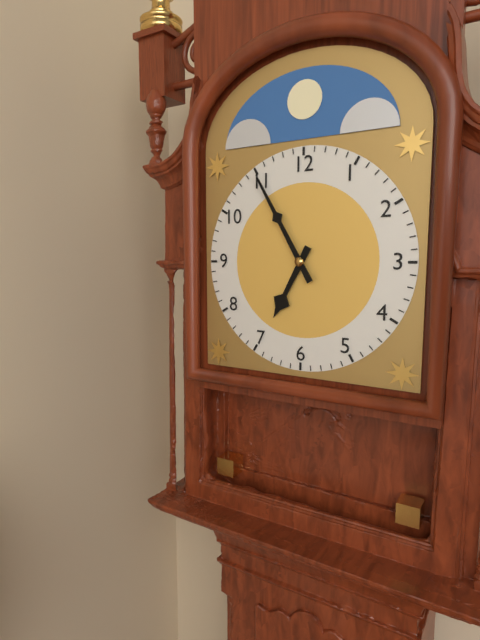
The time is h=6 m=55
